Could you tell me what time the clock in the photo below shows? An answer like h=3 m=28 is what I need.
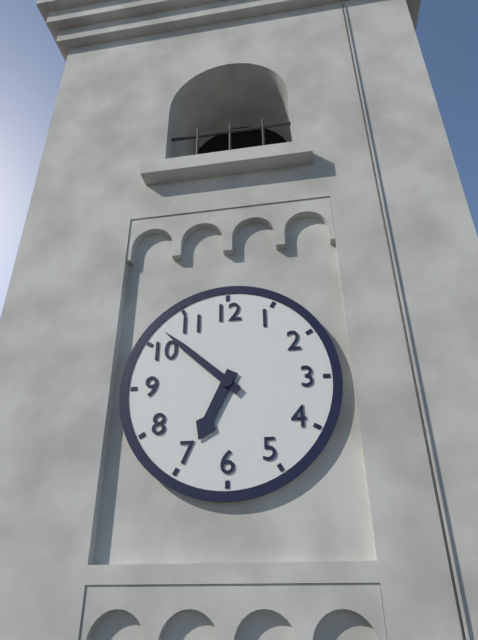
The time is h=6 m=52
